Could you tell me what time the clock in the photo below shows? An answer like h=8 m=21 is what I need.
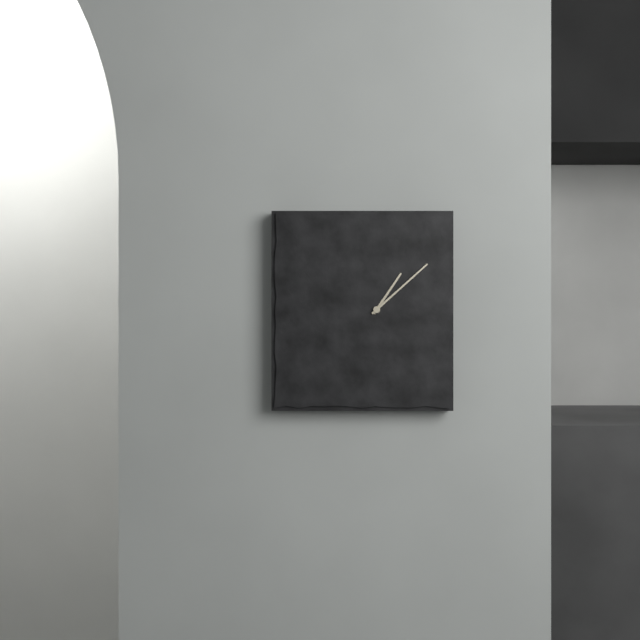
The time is h=1 m=8
